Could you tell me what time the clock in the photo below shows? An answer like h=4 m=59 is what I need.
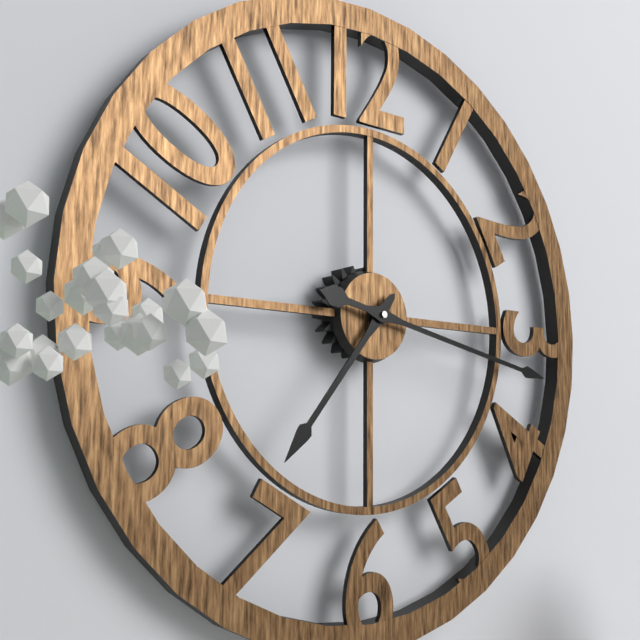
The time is h=7 m=17
